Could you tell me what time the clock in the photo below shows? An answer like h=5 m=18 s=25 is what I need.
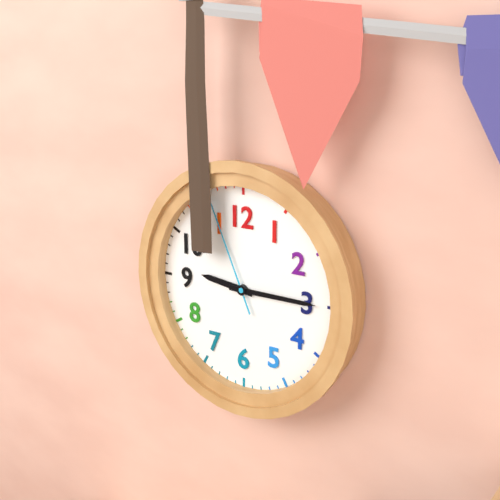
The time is h=9 m=15 s=56
